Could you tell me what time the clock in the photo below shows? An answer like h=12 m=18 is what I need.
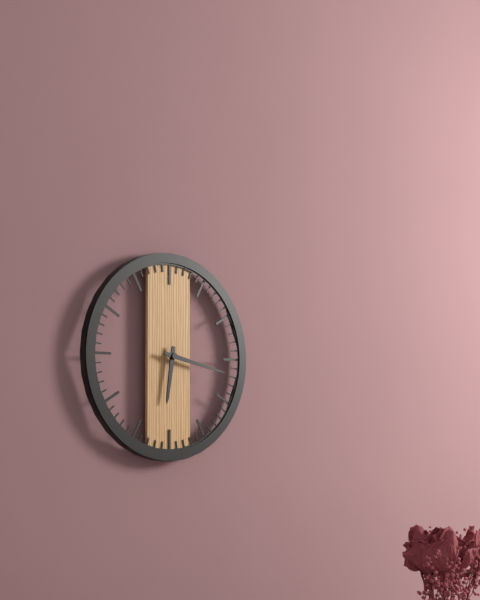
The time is h=6 m=17
